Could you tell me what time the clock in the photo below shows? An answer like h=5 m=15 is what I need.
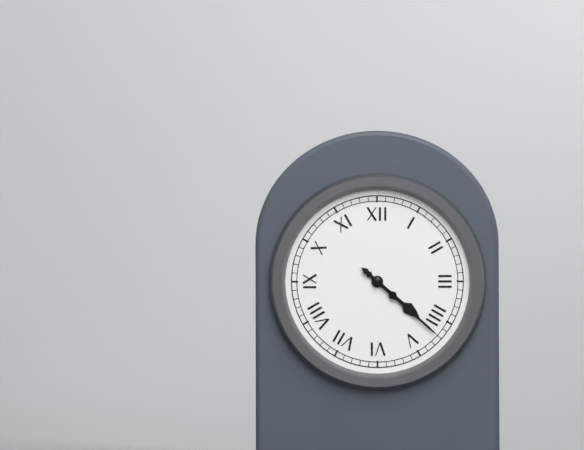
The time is h=4 m=22
